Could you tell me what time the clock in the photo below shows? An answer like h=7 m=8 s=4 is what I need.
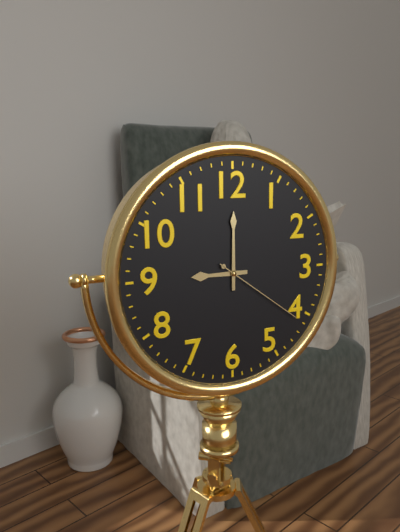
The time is h=9 m=0 s=21
